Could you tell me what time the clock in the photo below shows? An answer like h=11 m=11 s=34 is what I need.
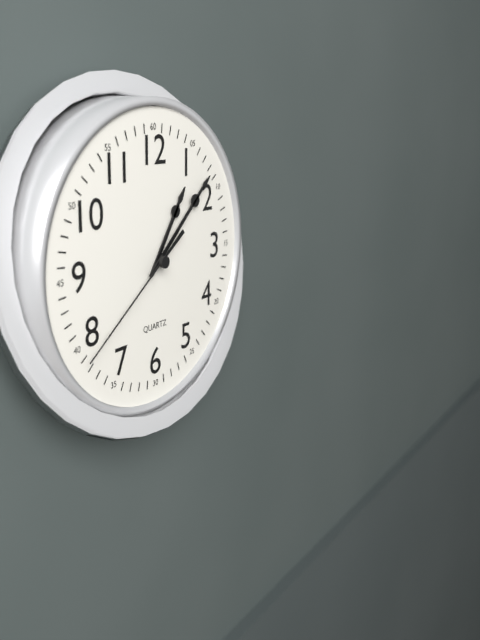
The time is h=1 m=8 s=39
